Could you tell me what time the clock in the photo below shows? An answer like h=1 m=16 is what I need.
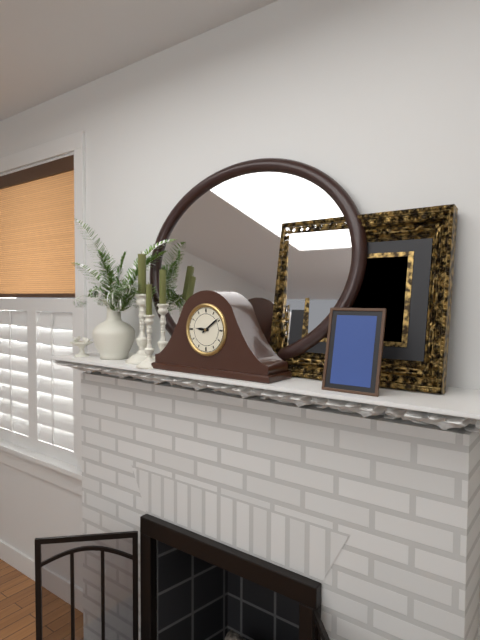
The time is h=9 m=9
